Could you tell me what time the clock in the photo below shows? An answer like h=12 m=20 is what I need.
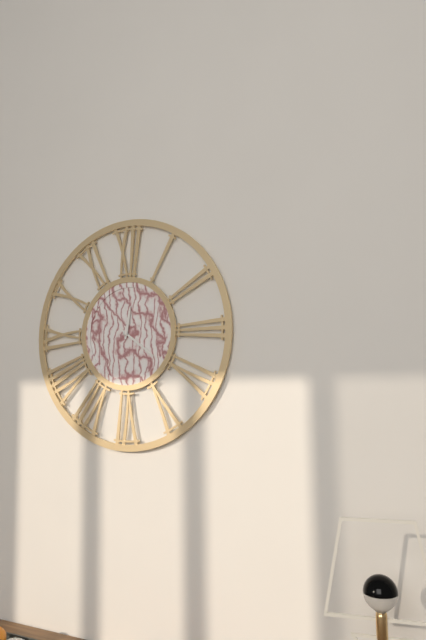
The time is h=12 m=21
